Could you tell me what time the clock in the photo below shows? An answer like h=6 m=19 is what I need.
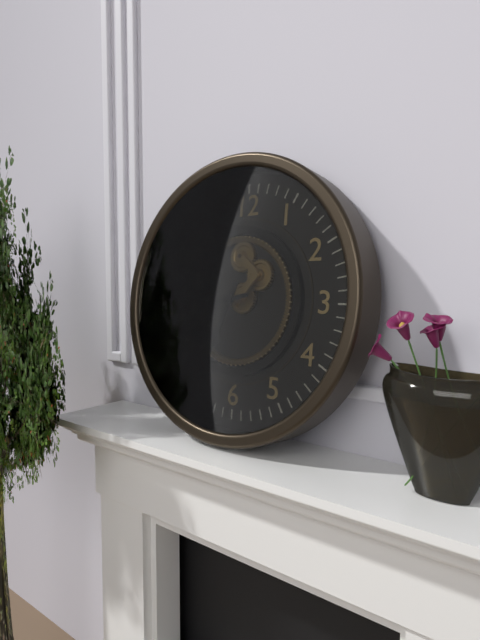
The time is h=6 m=43
